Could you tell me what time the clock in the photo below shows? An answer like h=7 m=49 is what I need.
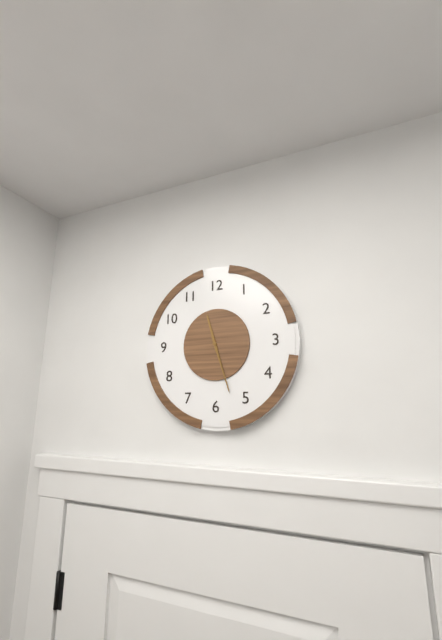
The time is h=11 m=27
